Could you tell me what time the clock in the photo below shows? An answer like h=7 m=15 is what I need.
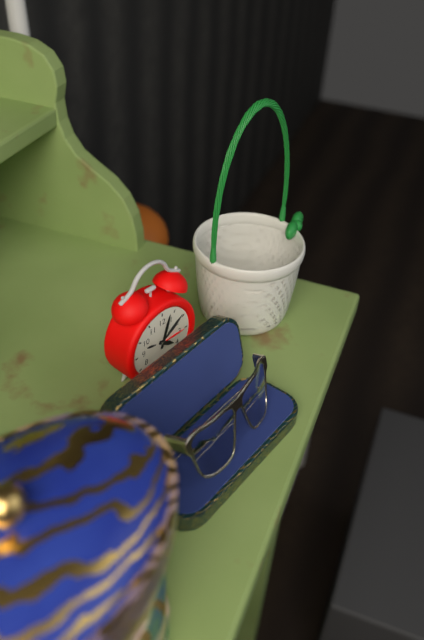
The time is h=4 m=3
